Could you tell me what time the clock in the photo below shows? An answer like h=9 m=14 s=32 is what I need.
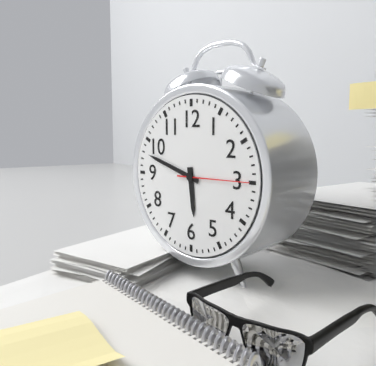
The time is h=5 m=48 s=15
